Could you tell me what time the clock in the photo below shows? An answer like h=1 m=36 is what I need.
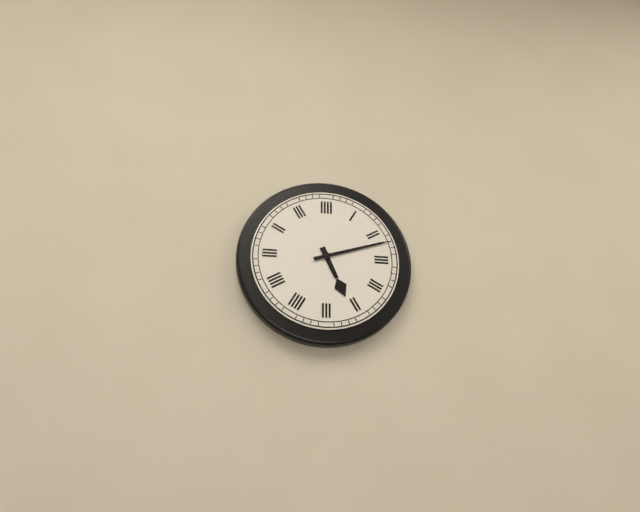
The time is h=5 m=12
